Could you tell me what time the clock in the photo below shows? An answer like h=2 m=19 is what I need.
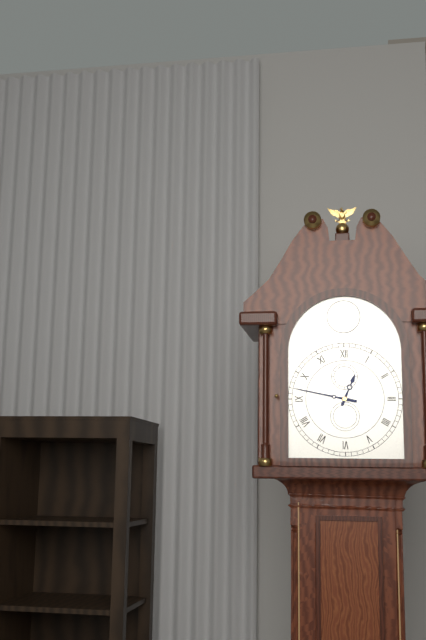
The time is h=12 m=47
